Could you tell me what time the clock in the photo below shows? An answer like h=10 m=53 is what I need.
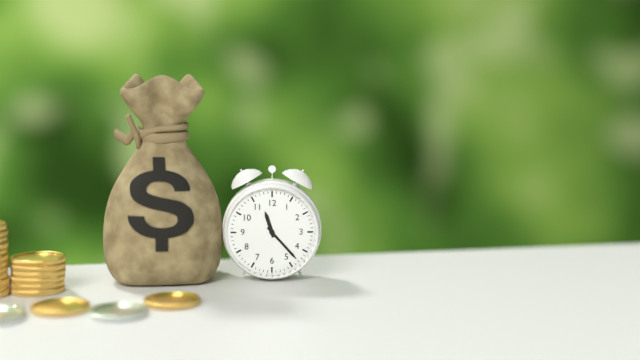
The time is h=11 m=23
